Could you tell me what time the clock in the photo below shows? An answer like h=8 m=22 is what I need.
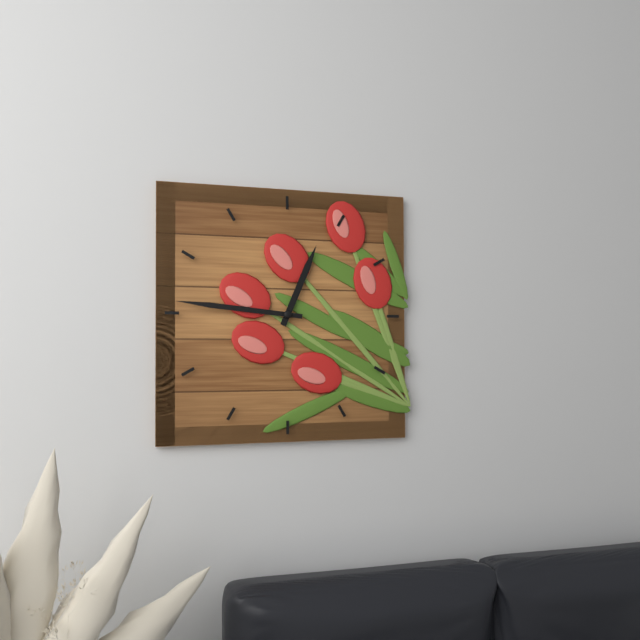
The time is h=12 m=46
